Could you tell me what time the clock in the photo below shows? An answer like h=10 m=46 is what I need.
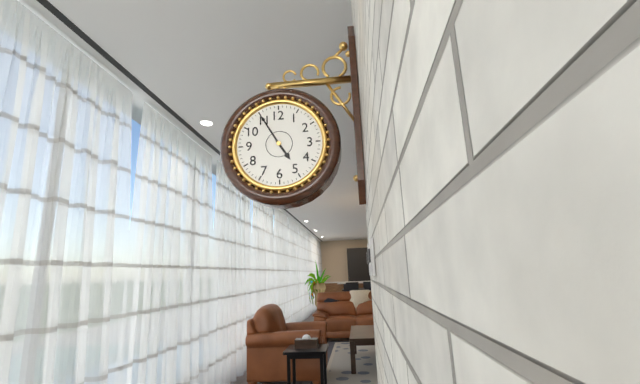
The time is h=4 m=55
